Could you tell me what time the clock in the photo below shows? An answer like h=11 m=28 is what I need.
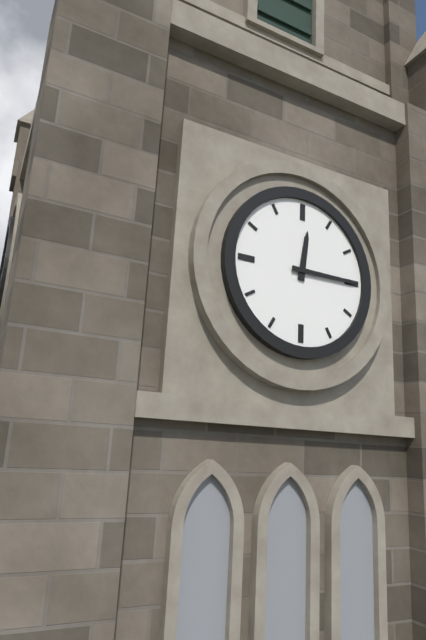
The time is h=12 m=15
